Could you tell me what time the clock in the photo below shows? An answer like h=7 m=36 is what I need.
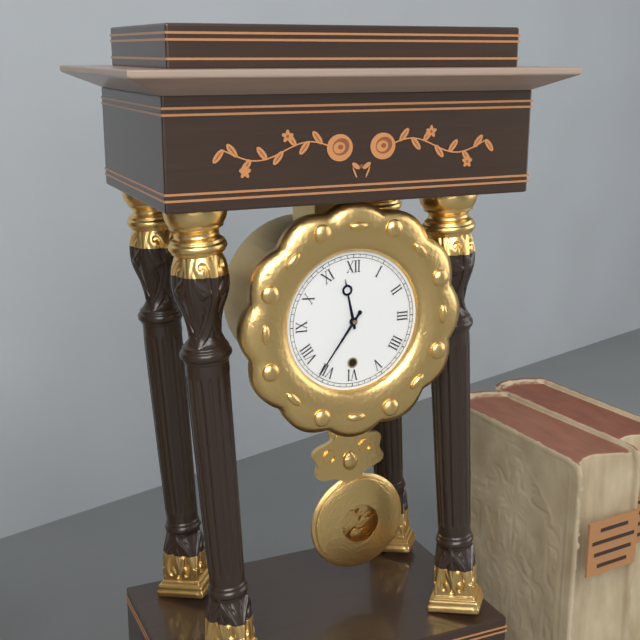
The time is h=11 m=36
